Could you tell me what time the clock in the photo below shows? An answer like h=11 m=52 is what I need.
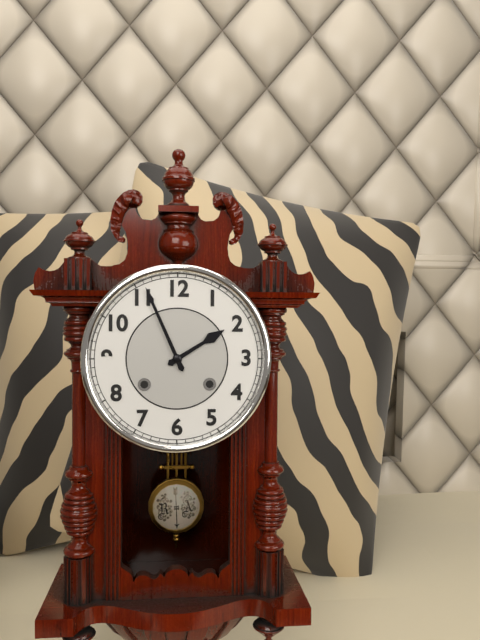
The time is h=1 m=56
